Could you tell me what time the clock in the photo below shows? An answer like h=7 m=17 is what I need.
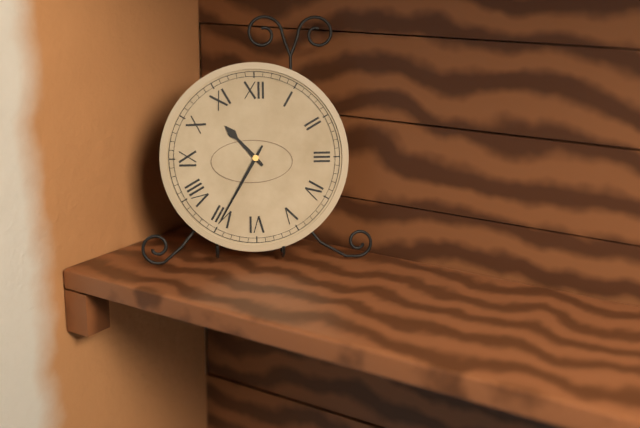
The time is h=10 m=35
